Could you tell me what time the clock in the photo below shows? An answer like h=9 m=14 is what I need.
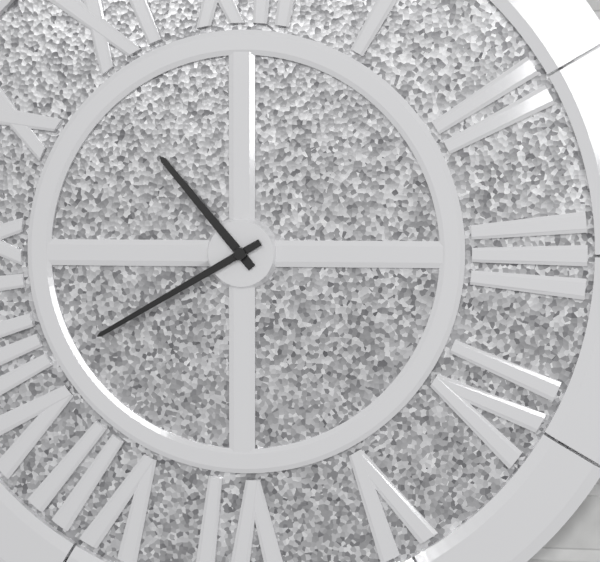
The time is h=10 m=40
